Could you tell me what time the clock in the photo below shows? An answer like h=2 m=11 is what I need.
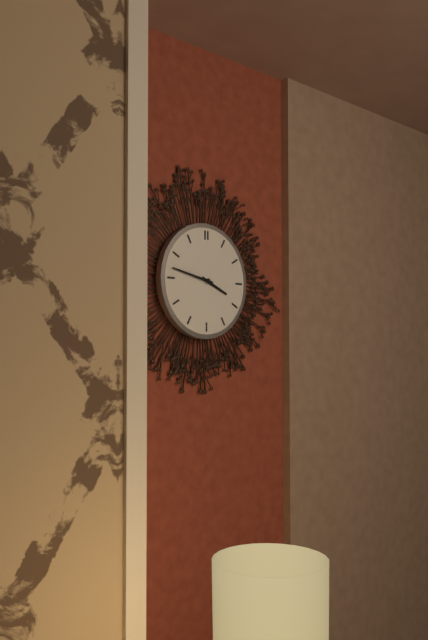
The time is h=3 m=47
